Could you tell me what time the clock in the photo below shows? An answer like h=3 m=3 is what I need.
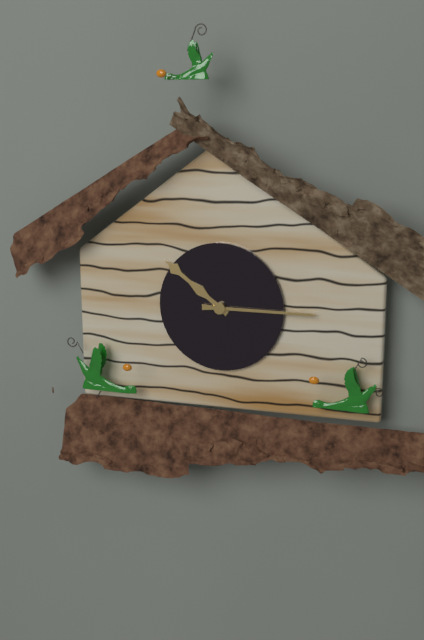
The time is h=10 m=15
